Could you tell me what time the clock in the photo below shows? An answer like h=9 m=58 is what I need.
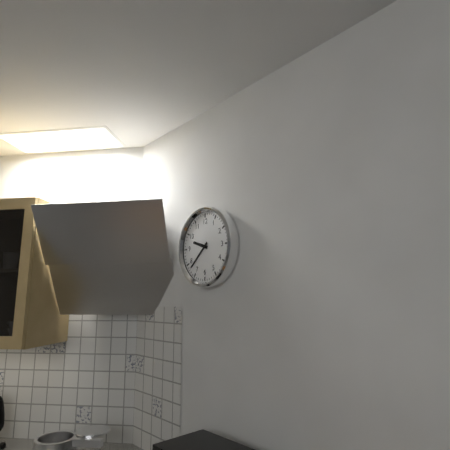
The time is h=9 m=38
